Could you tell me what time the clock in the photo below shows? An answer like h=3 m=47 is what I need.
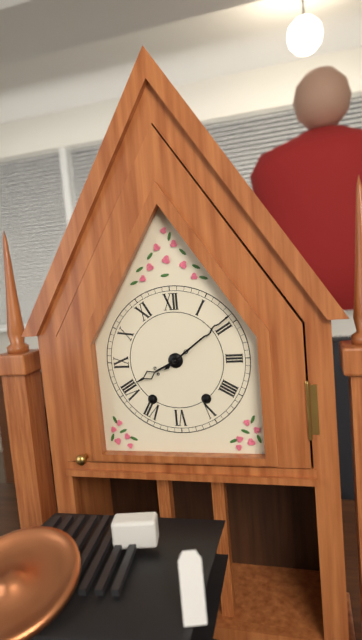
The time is h=8 m=9
